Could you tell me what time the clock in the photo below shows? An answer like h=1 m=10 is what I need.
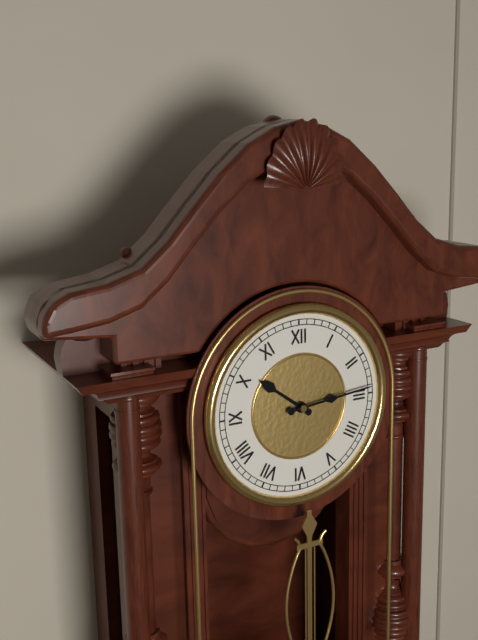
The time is h=10 m=14
